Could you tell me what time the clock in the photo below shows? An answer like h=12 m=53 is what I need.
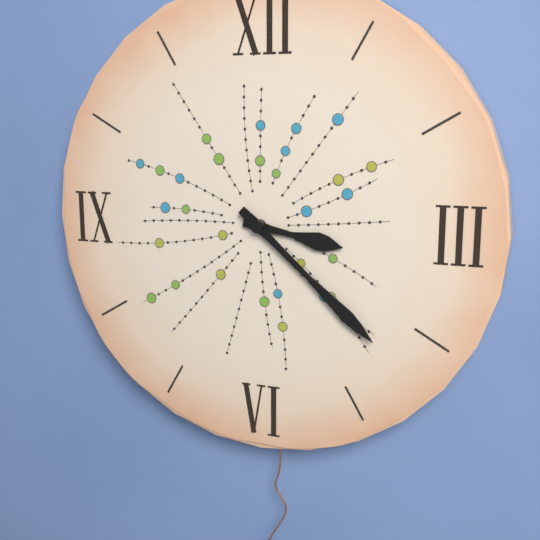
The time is h=3 m=22
